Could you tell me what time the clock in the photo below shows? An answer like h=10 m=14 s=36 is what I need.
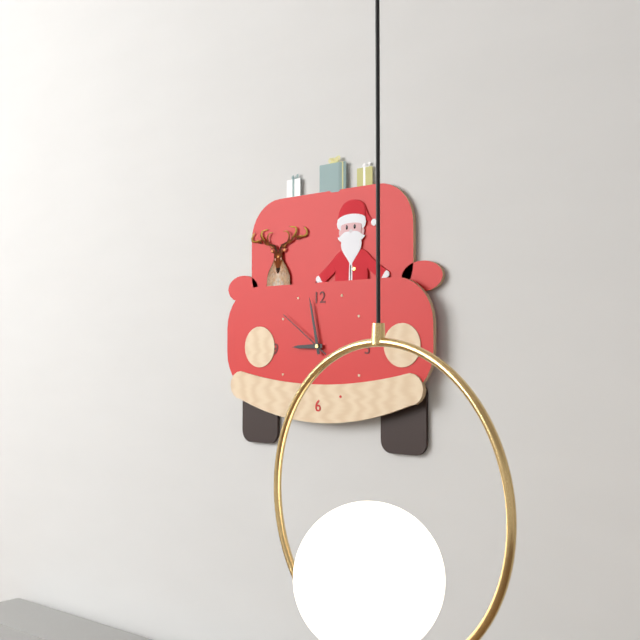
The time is h=8 m=58 s=51
